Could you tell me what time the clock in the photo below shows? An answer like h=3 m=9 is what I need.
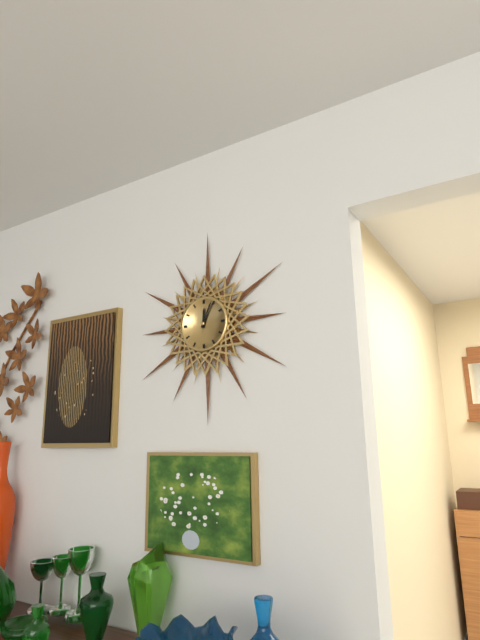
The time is h=12 m=4
